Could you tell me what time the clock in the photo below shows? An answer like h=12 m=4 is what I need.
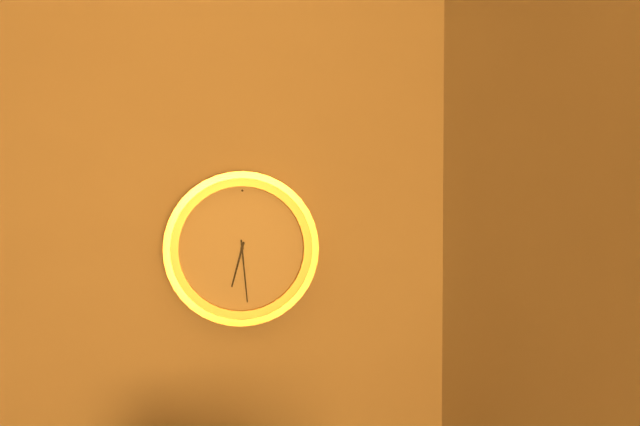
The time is h=6 m=29
